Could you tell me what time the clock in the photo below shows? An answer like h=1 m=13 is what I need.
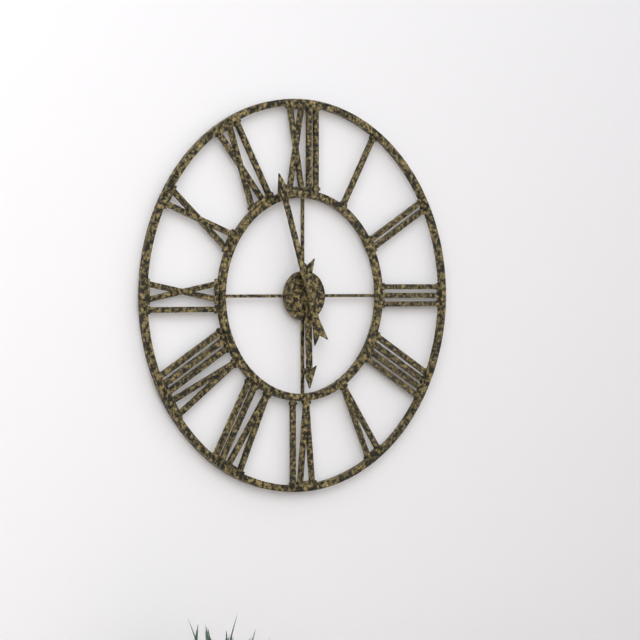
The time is h=5 m=57
